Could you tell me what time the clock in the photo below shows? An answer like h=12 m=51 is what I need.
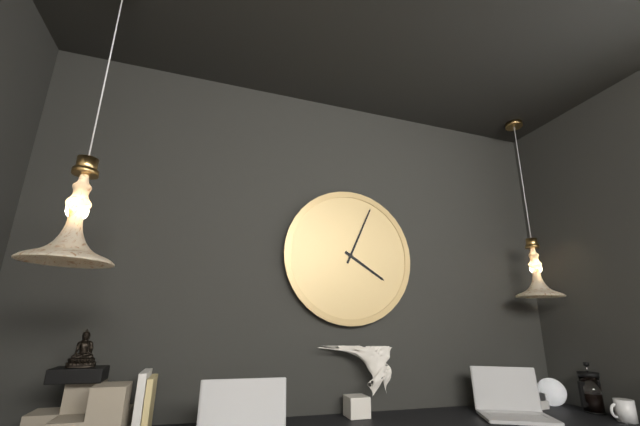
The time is h=4 m=4
